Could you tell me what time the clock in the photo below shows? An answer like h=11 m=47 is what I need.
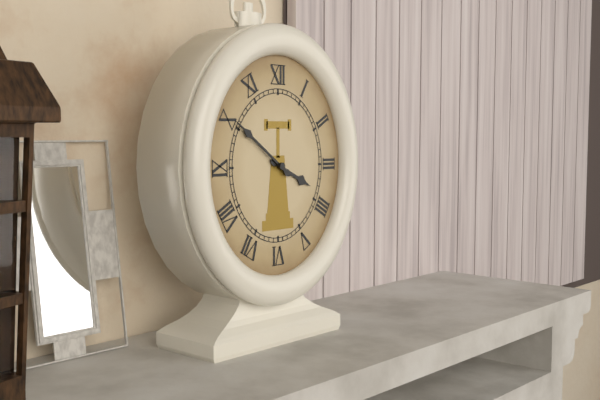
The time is h=3 m=51
